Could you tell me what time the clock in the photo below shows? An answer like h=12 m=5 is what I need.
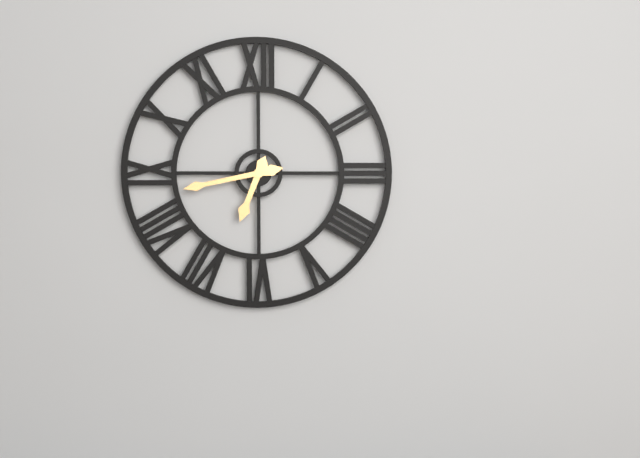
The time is h=6 m=43
